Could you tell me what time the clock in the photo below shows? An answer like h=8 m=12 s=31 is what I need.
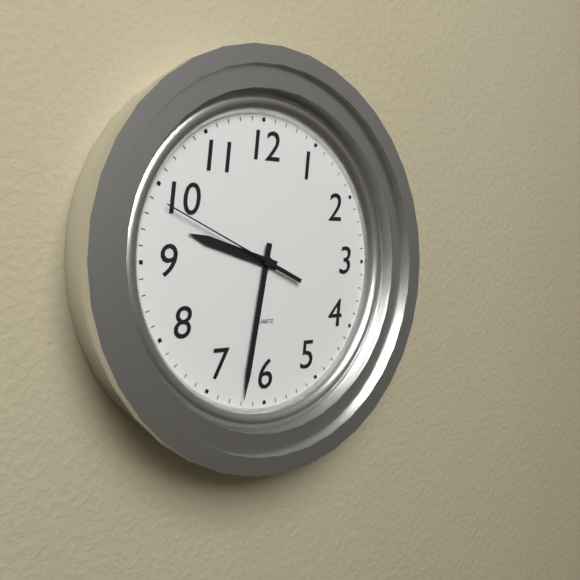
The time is h=9 m=32 s=49
